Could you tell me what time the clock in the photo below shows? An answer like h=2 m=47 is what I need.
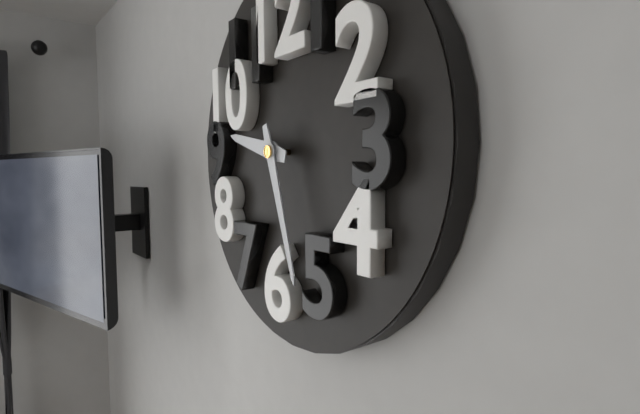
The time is h=9 m=27
